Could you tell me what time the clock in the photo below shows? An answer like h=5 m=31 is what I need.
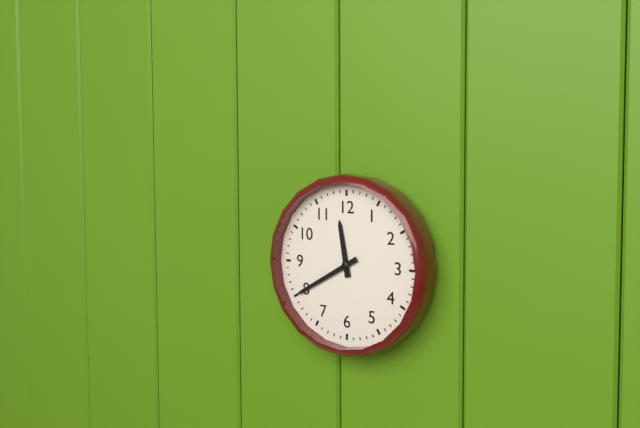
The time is h=11 m=40
